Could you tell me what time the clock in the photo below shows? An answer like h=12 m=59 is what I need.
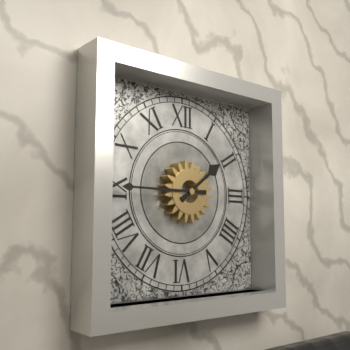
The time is h=1 m=45
